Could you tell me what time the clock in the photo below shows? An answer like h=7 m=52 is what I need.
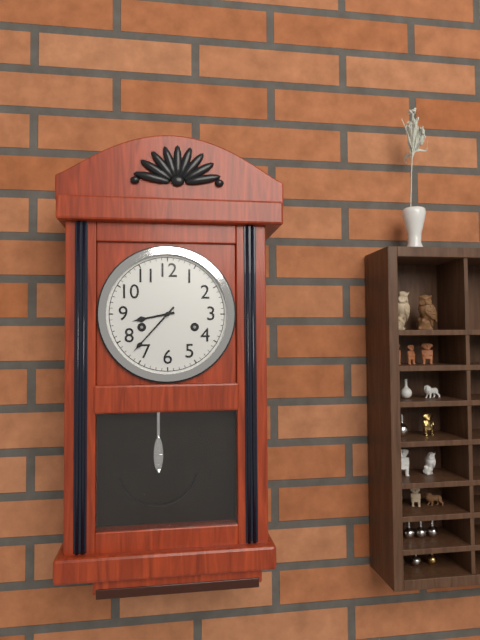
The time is h=8 m=37
